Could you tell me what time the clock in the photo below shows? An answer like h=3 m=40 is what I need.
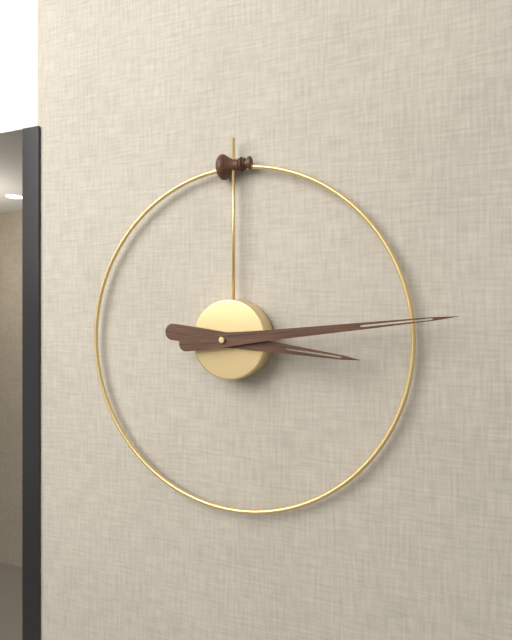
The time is h=3 m=14
